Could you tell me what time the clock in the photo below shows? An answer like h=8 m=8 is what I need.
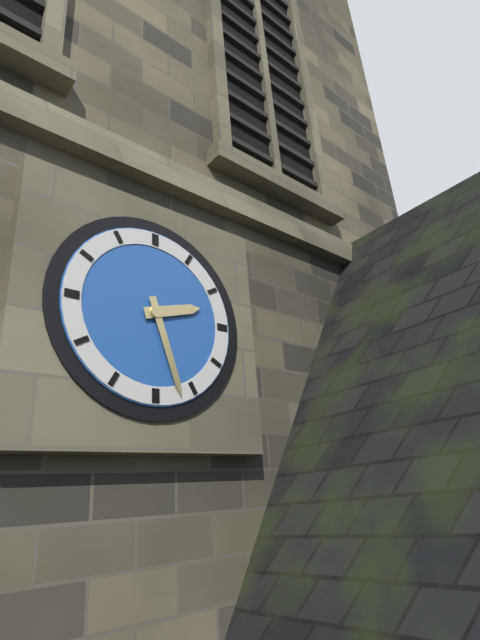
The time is h=2 m=27
